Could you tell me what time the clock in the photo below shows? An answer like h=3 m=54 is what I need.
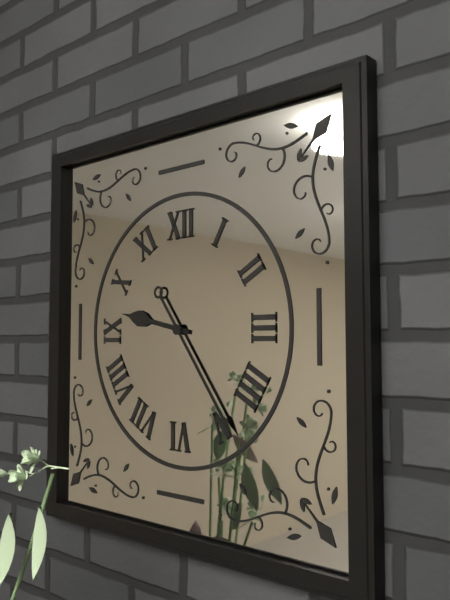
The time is h=9 m=24
